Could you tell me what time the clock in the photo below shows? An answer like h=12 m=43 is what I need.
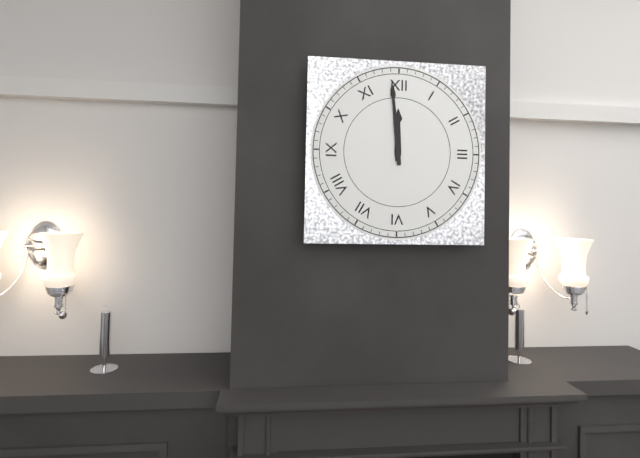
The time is h=11 m=59
